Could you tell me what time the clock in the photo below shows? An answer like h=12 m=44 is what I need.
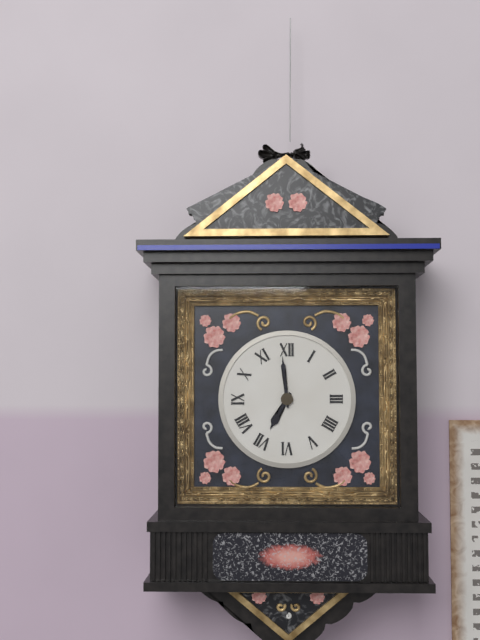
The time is h=6 m=59
